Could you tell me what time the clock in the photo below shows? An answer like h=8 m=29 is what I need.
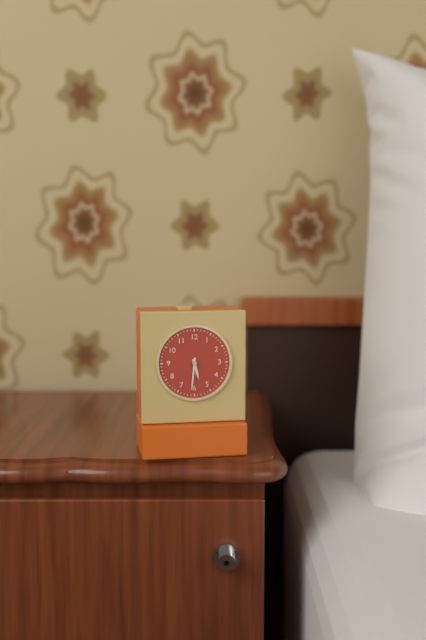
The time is h=5 m=31
